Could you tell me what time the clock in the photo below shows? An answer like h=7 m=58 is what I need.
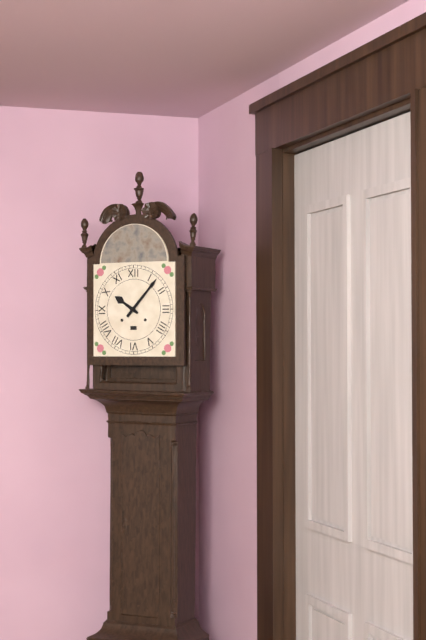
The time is h=10 m=7
